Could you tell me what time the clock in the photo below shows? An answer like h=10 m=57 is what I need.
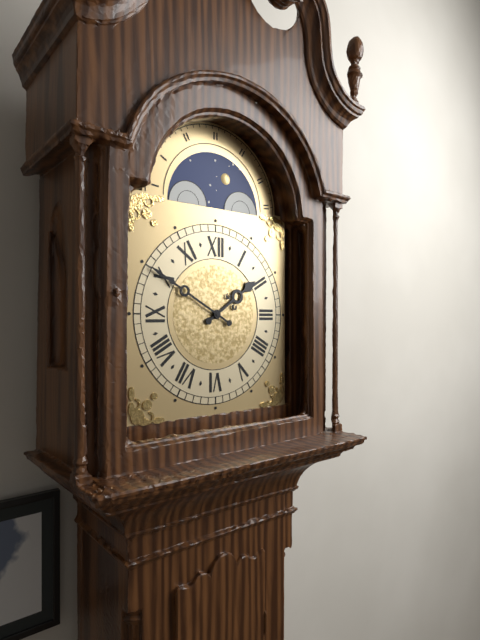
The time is h=1 m=50
